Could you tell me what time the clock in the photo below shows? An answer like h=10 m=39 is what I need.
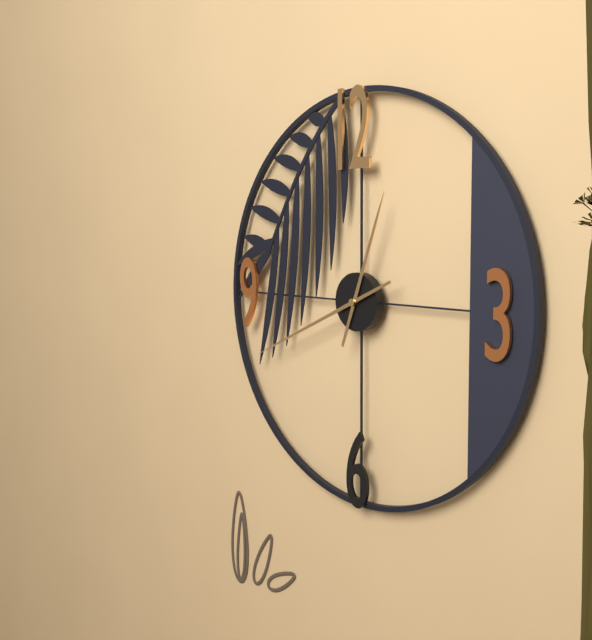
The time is h=12 m=41
